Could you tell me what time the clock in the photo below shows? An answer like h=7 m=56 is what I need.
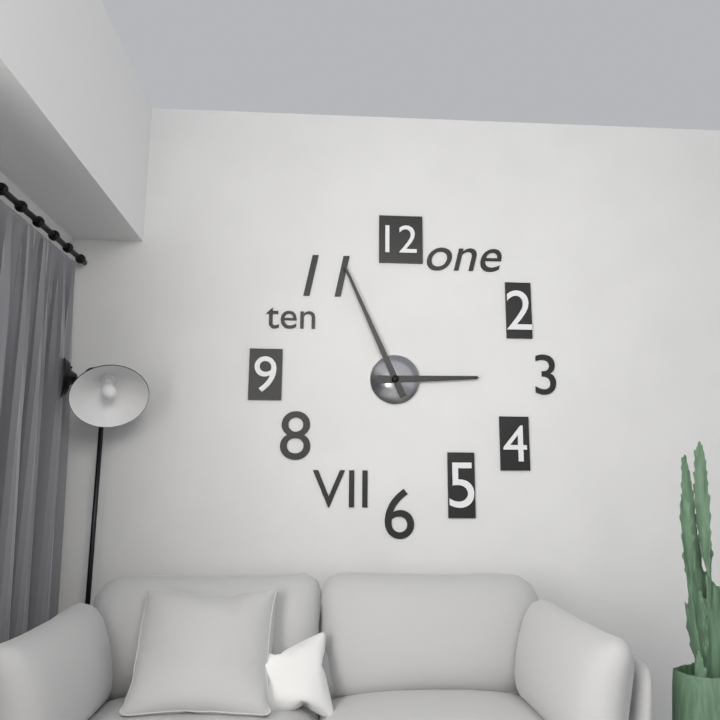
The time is h=2 m=56
